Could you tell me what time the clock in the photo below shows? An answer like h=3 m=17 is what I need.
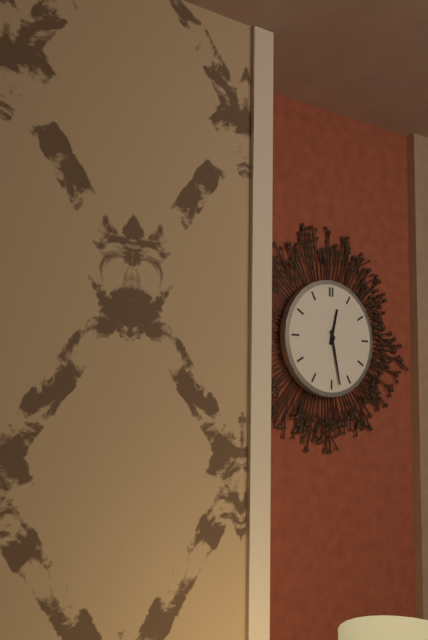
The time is h=12 m=28
